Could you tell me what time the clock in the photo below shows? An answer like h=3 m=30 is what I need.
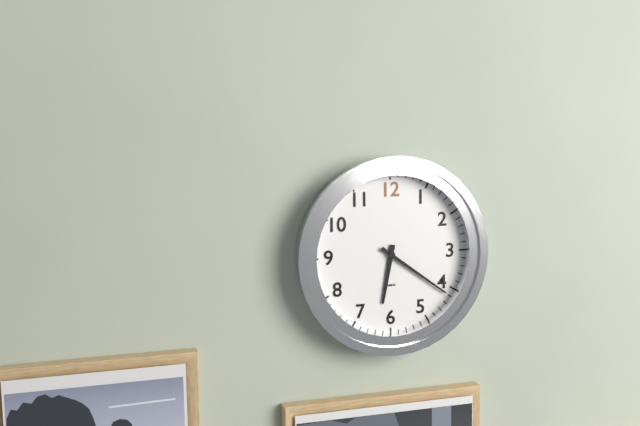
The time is h=6 m=21
